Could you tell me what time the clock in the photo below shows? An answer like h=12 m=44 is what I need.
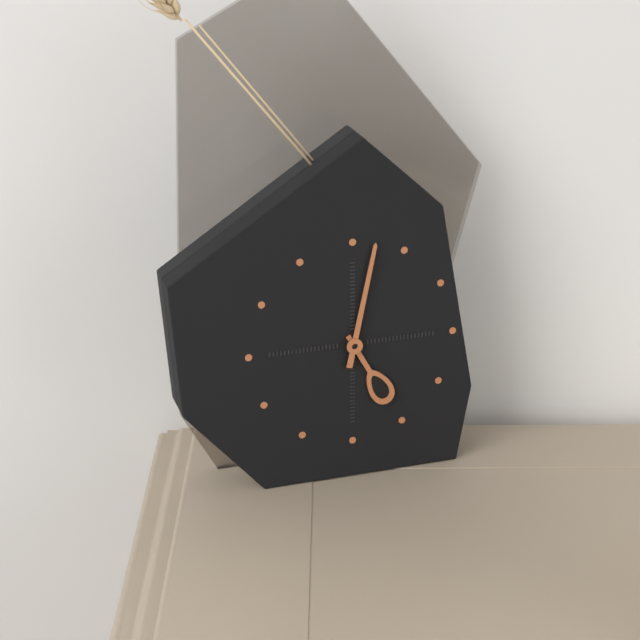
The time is h=5 m=2
